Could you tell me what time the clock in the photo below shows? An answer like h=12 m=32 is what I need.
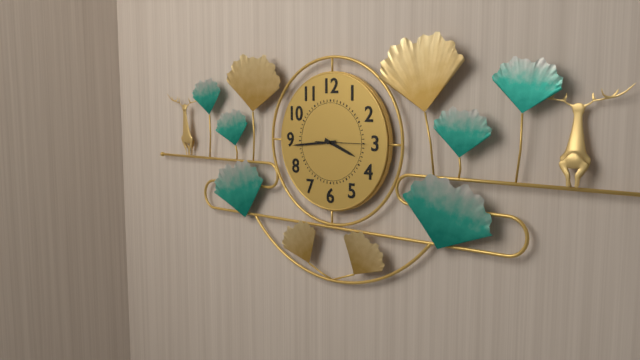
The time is h=3 m=44
